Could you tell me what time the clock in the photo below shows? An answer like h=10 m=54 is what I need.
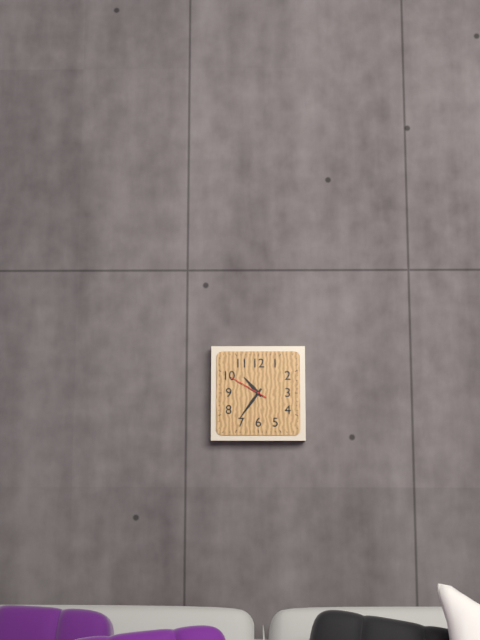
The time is h=10 m=36
